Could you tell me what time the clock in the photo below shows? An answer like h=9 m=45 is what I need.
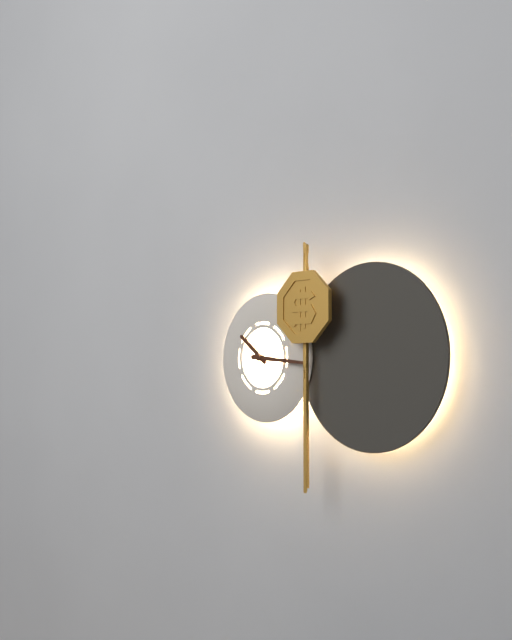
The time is h=10 m=16
